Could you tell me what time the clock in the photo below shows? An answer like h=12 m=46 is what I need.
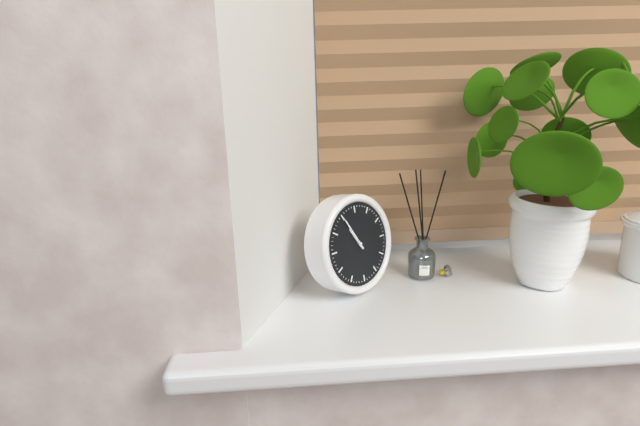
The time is h=10 m=55
